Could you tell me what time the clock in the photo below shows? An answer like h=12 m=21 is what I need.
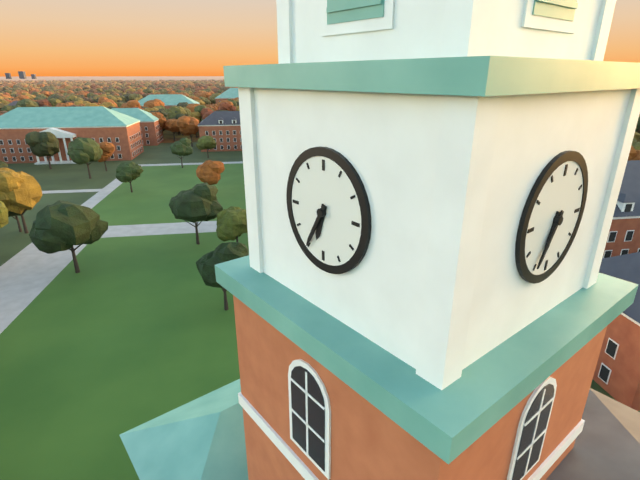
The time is h=6 m=35
